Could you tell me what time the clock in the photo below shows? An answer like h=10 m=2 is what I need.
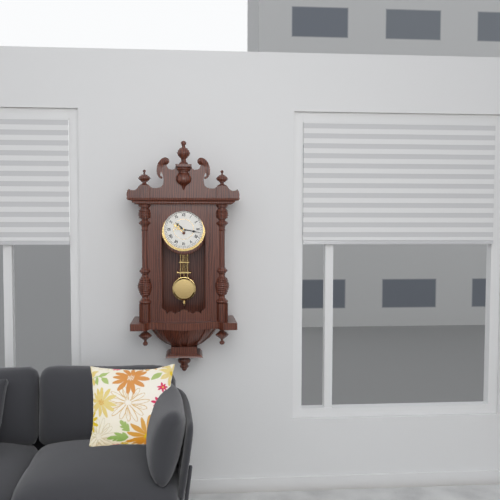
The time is h=10 m=17
